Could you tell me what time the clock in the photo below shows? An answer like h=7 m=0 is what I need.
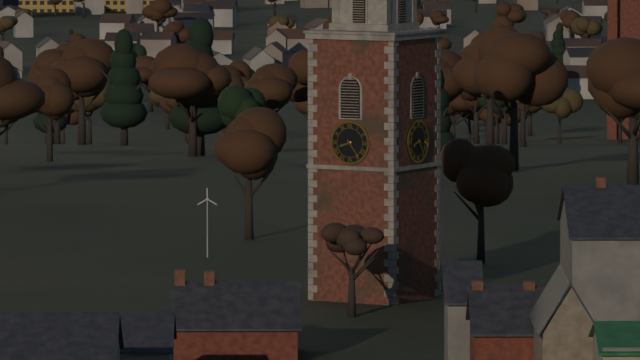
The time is h=8 m=24
